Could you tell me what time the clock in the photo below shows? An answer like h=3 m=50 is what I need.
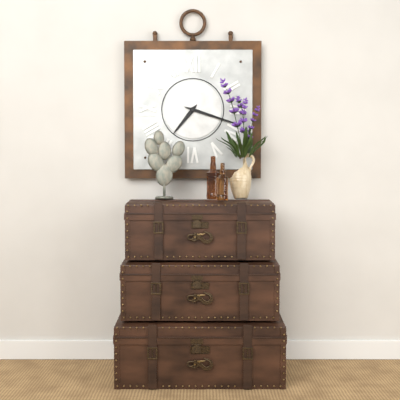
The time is h=7 m=18
